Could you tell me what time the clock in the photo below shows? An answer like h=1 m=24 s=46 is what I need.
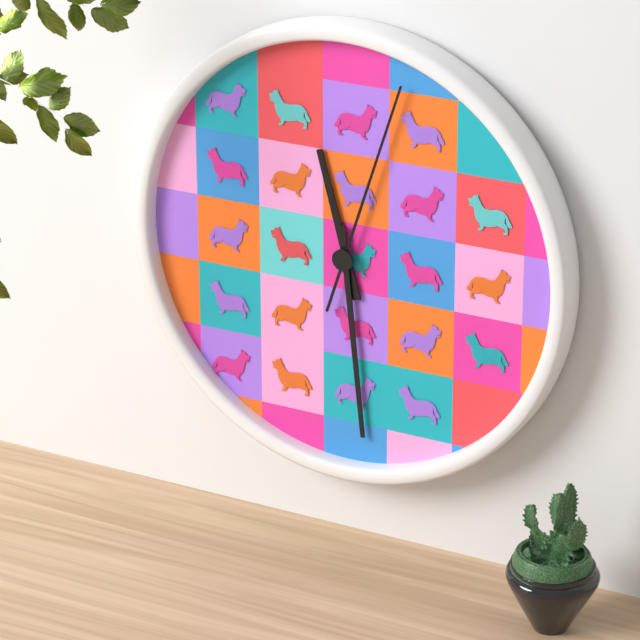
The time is h=11 m=29 s=3
